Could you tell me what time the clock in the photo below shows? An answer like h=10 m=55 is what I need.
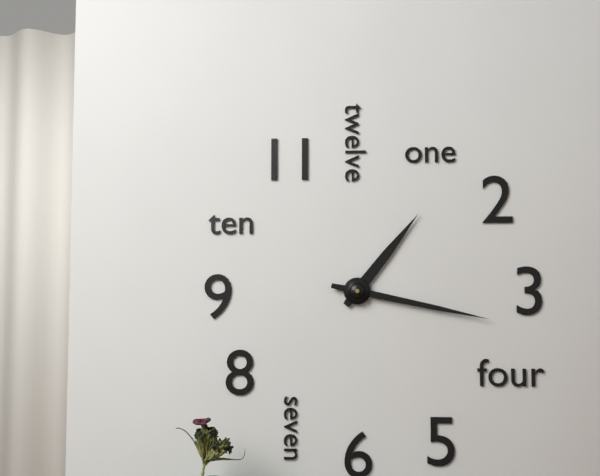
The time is h=1 m=17
